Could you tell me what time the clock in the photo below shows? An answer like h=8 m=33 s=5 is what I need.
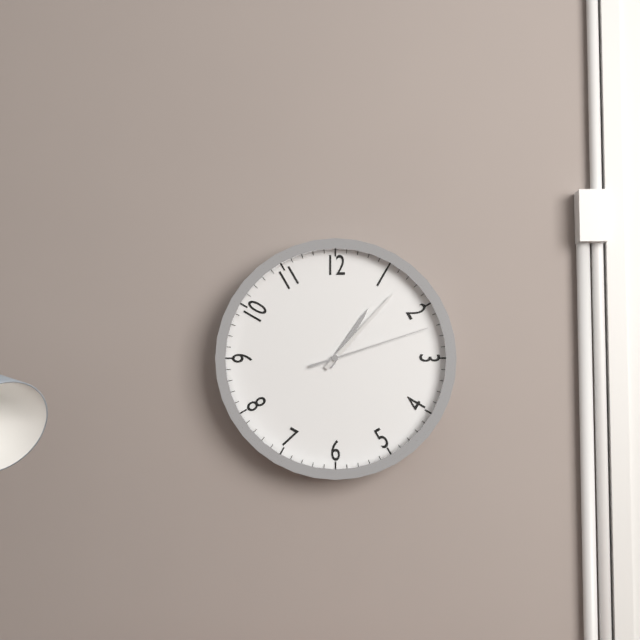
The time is h=1 m=7 s=12
